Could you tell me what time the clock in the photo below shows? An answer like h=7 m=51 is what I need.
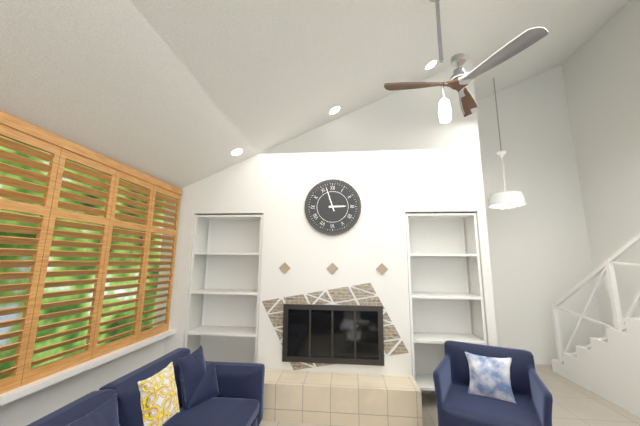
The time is h=2 m=57
